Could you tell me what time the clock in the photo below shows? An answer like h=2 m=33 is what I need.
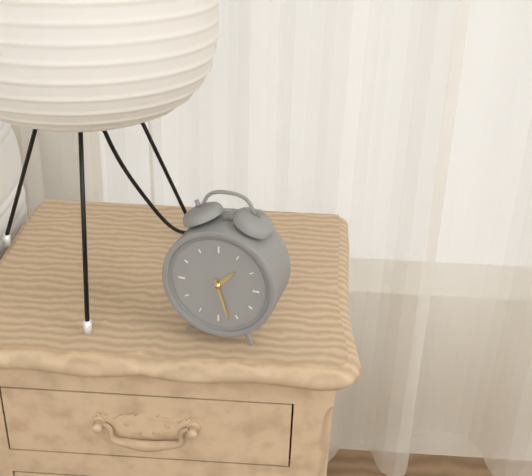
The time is h=1 m=27
